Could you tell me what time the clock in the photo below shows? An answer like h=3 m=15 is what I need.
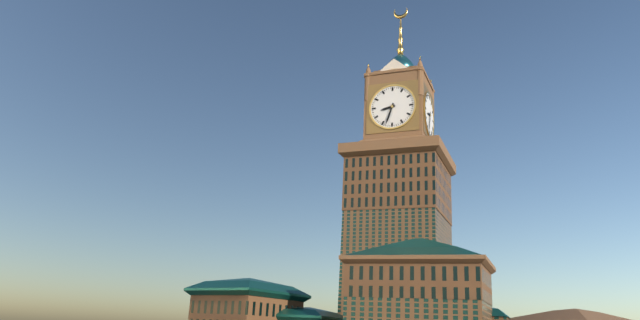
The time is h=8 m=33
